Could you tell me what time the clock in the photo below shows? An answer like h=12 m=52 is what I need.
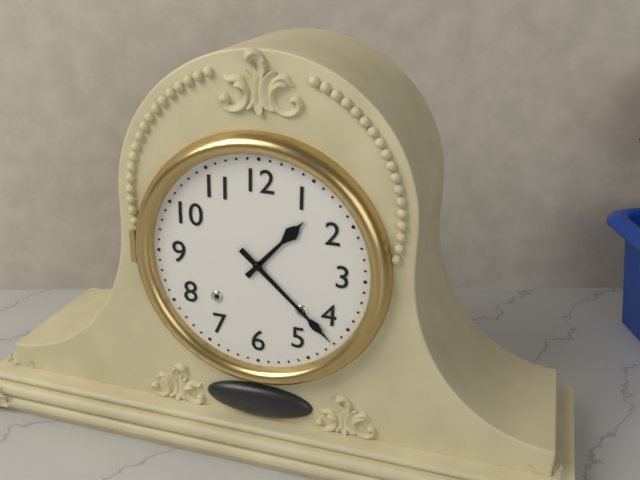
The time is h=1 m=22
